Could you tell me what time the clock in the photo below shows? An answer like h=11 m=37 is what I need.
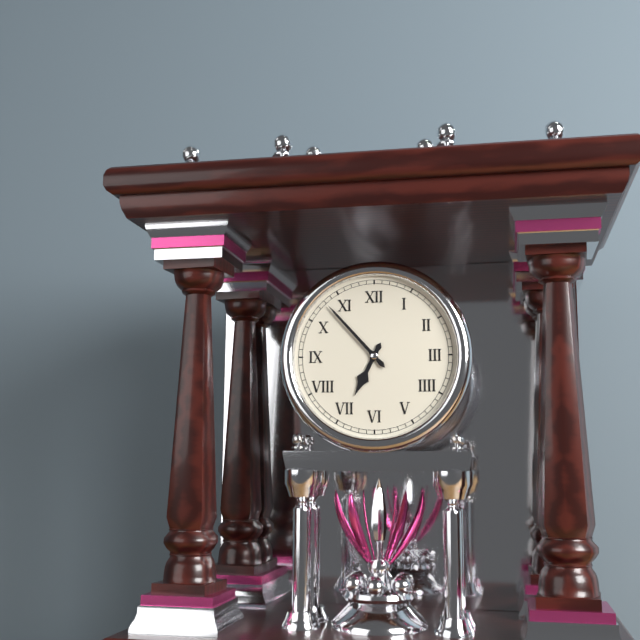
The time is h=6 m=53
